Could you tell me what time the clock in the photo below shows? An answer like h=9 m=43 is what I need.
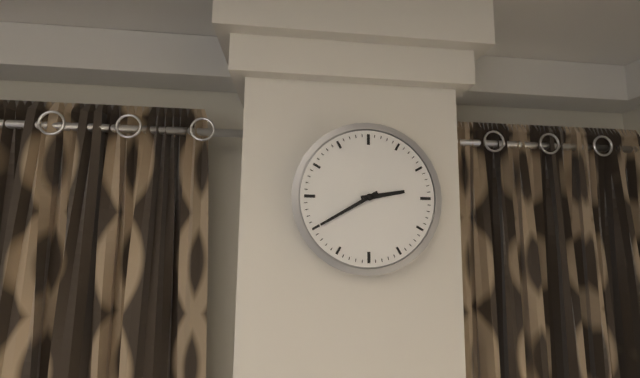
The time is h=2 m=40
